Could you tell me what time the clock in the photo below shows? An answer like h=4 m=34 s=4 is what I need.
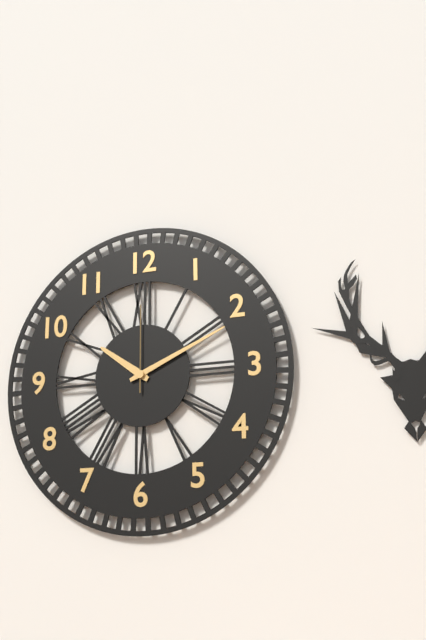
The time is h=10 m=11 s=0
